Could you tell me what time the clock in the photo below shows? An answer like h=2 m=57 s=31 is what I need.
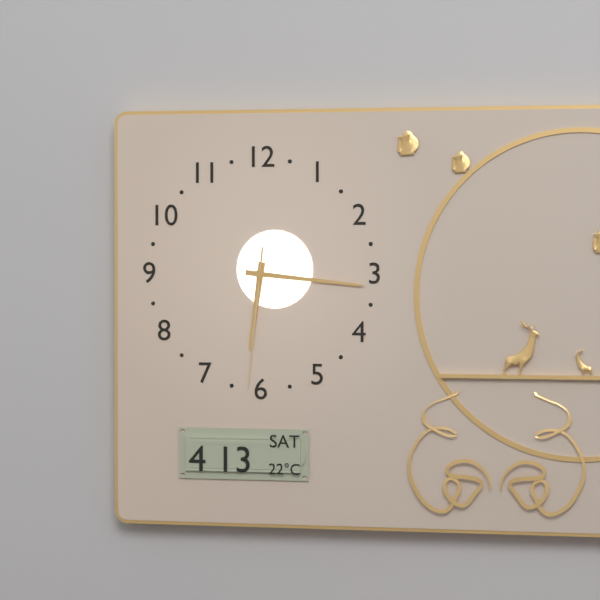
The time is h=6 m=16 s=31
